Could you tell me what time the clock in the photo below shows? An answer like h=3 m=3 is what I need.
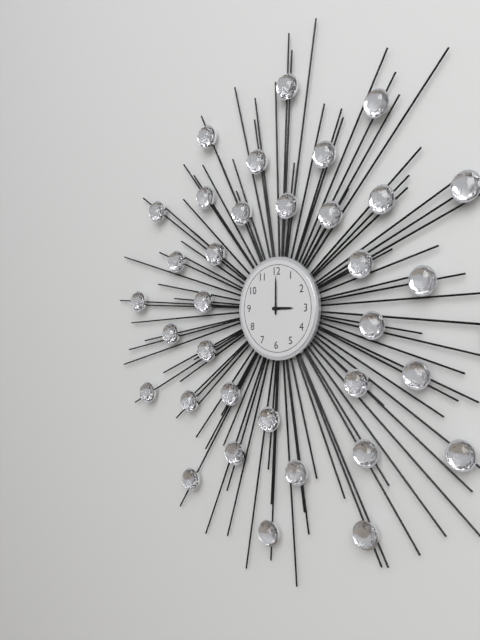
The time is h=3 m=0
